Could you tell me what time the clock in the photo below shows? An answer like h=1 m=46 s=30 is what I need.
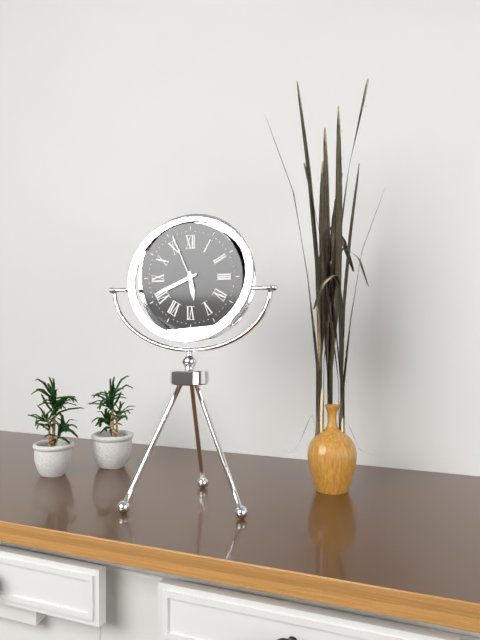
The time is h=5 m=41 s=56
